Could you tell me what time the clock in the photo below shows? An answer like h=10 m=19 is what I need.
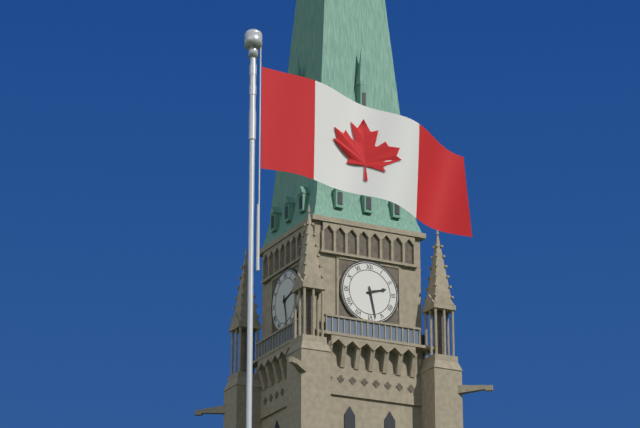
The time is h=2 m=28
